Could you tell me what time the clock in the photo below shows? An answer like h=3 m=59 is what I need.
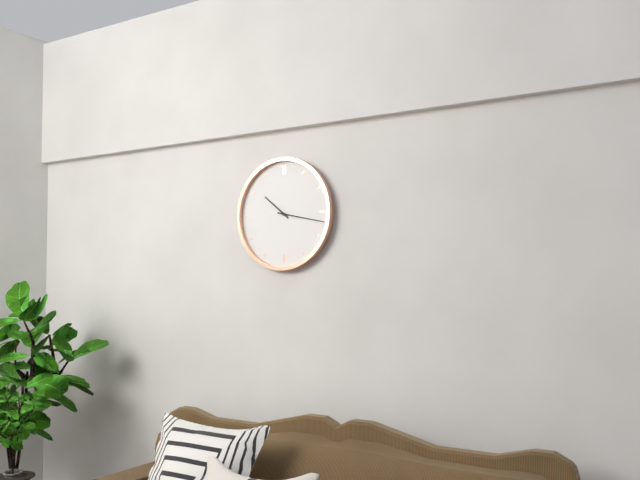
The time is h=10 m=17
